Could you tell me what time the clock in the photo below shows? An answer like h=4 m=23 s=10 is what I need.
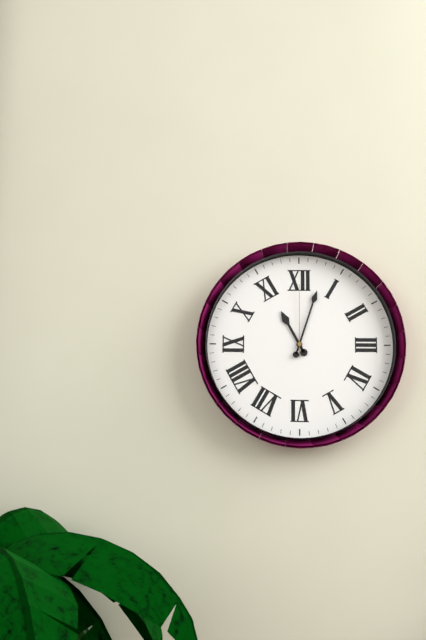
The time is h=11 m=3 s=0
